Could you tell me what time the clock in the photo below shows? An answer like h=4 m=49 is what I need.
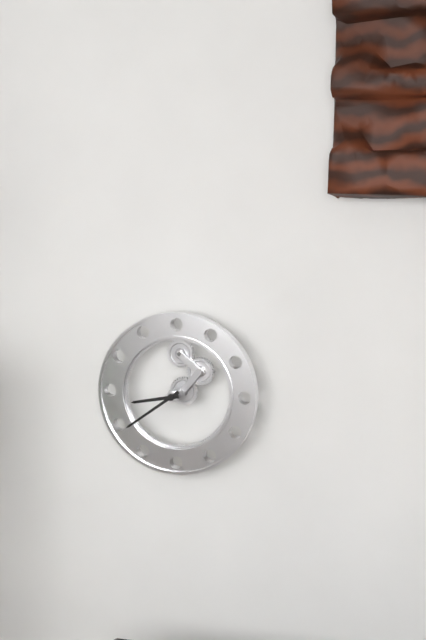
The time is h=8 m=39
